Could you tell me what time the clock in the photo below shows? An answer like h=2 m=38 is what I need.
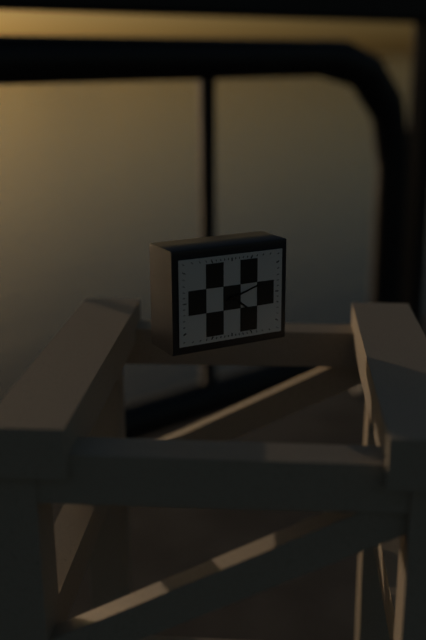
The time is h=4 m=12
